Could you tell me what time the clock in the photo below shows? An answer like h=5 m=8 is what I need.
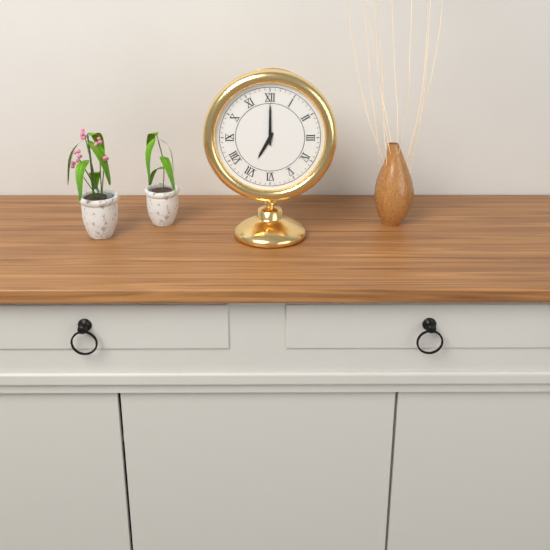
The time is h=7 m=0
